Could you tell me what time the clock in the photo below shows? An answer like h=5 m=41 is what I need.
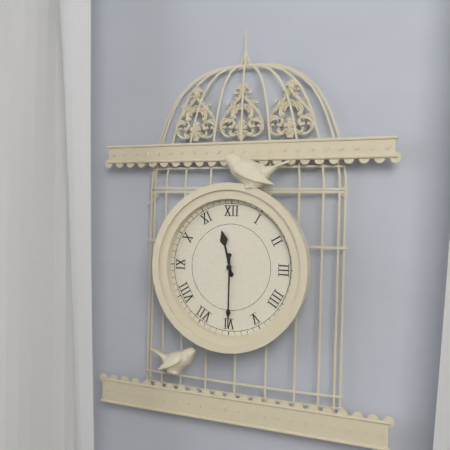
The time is h=11 m=30
